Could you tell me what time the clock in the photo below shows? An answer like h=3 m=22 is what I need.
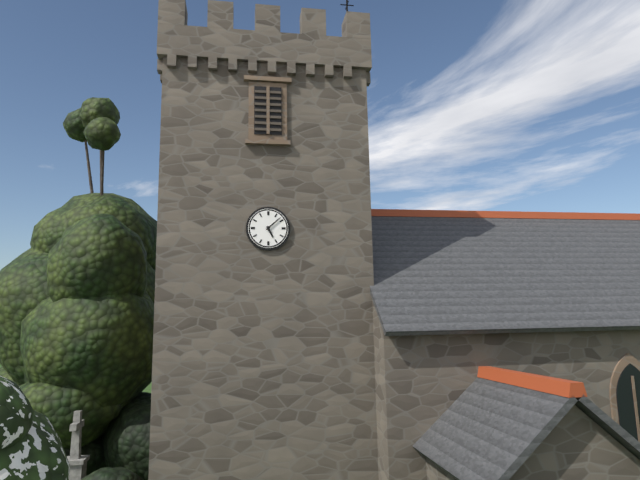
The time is h=5 m=8
